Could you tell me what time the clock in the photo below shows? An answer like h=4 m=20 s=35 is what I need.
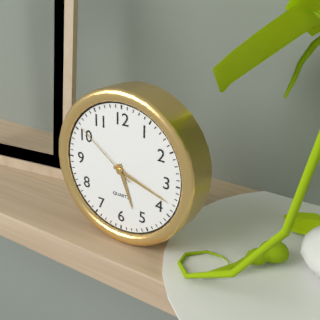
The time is h=5 m=18 s=51
